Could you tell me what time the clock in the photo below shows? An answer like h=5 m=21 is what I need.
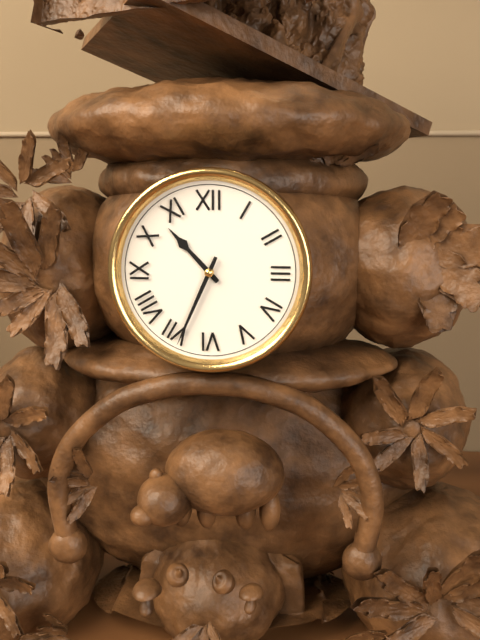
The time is h=10 m=34
